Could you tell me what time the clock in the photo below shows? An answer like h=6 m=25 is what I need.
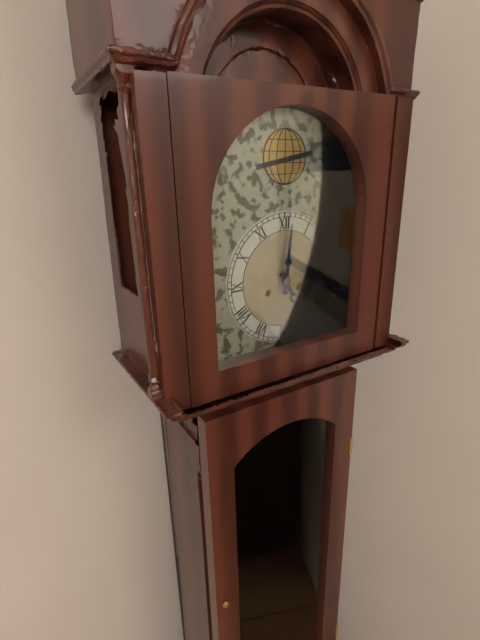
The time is h=5 m=1
